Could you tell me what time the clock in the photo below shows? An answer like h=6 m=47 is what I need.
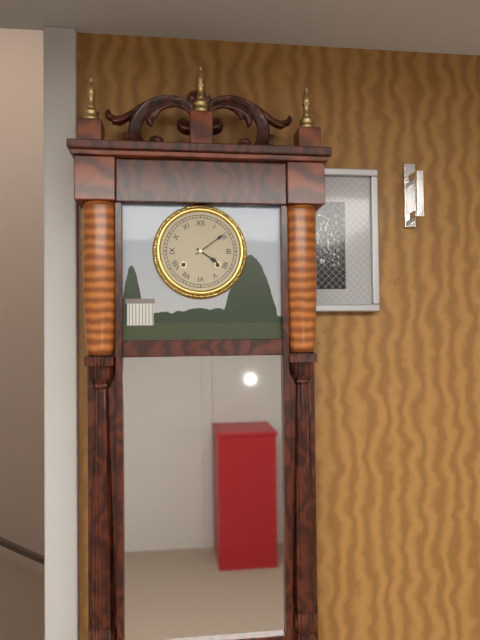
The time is h=4 m=9
